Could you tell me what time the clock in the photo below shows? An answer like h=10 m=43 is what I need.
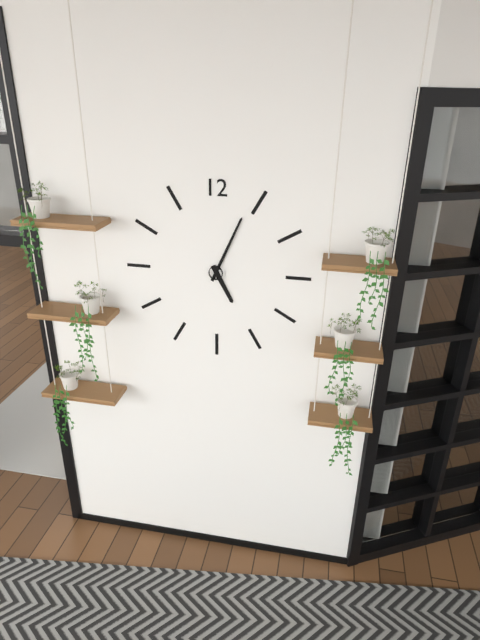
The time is h=5 m=4
